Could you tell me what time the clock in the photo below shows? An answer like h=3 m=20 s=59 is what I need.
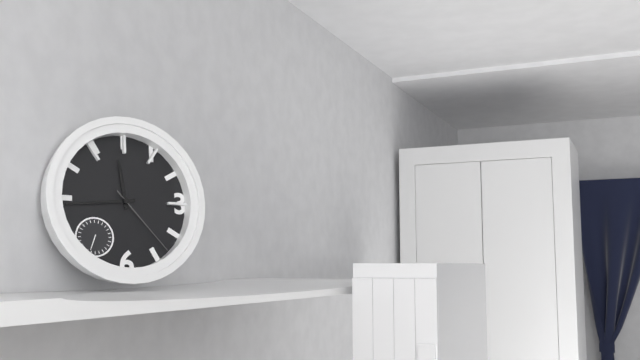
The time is h=11 m=44 s=23
